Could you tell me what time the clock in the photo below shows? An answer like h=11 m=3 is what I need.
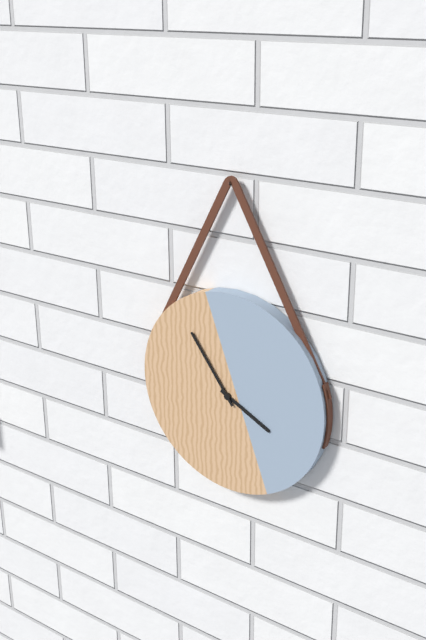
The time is h=3 m=54
